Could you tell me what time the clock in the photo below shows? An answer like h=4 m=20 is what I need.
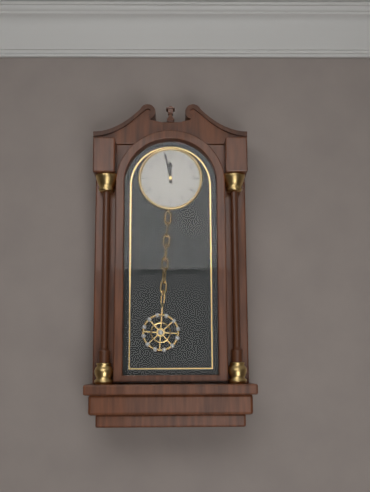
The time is h=11 m=58
